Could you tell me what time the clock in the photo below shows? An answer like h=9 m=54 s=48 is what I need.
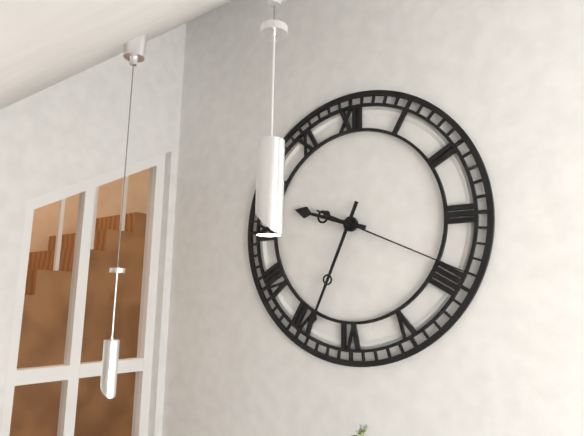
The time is h=9 m=34 s=19
